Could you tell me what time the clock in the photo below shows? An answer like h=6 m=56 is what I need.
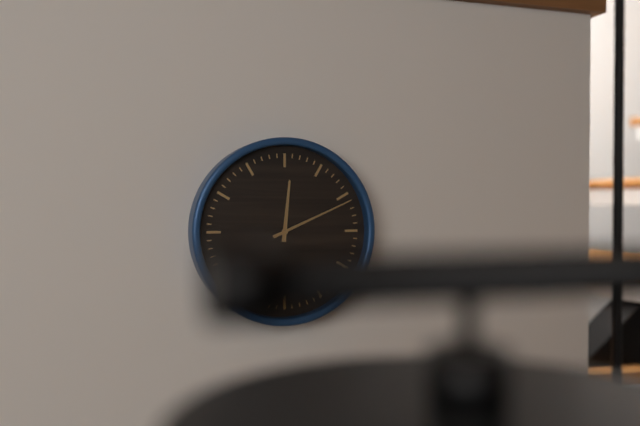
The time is h=12 m=11
